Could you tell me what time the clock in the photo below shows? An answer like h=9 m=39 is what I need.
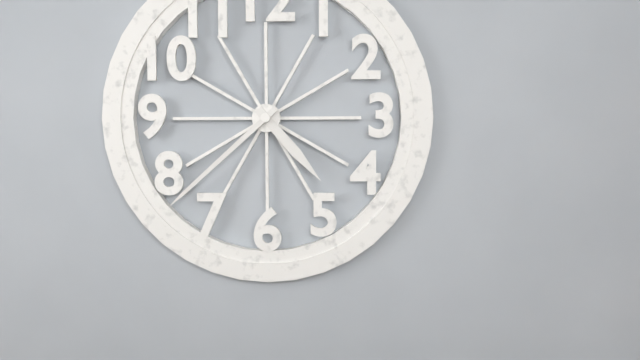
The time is h=4 m=38
